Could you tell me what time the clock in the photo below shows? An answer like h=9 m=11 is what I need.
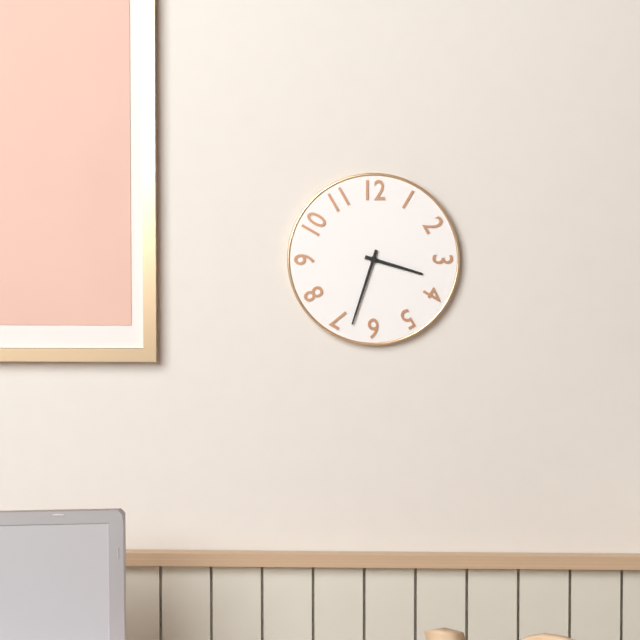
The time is h=3 m=33
